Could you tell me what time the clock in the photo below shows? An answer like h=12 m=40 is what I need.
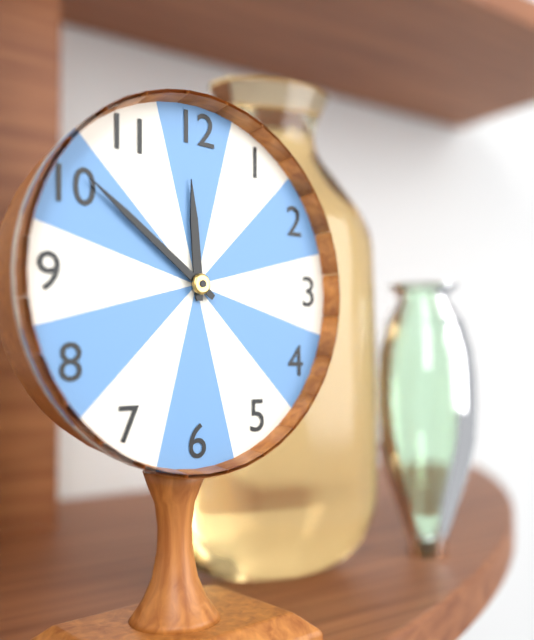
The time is h=11 m=51
